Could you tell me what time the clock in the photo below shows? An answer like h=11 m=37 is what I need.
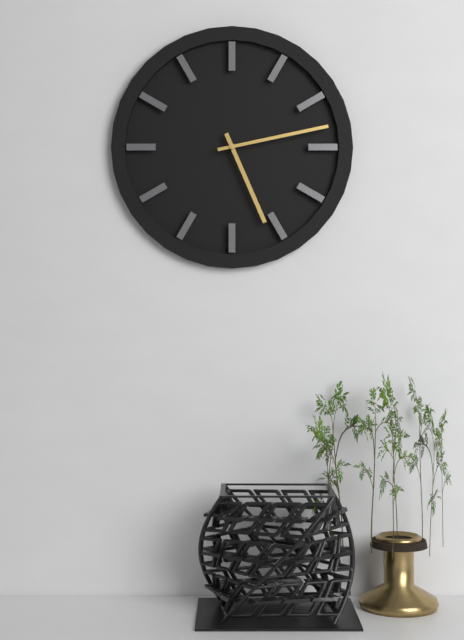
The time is h=5 m=13
